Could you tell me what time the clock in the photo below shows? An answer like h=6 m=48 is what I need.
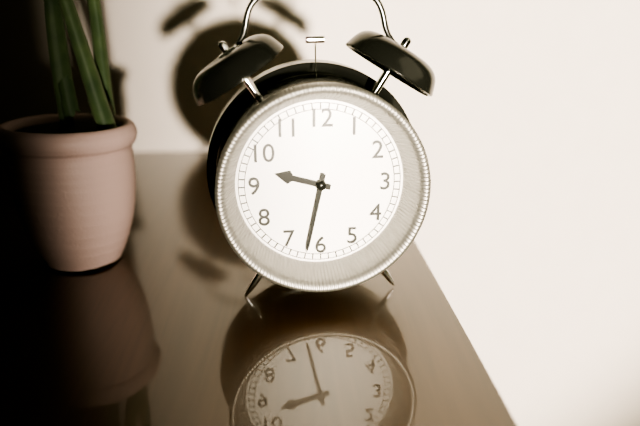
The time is h=9 m=32
